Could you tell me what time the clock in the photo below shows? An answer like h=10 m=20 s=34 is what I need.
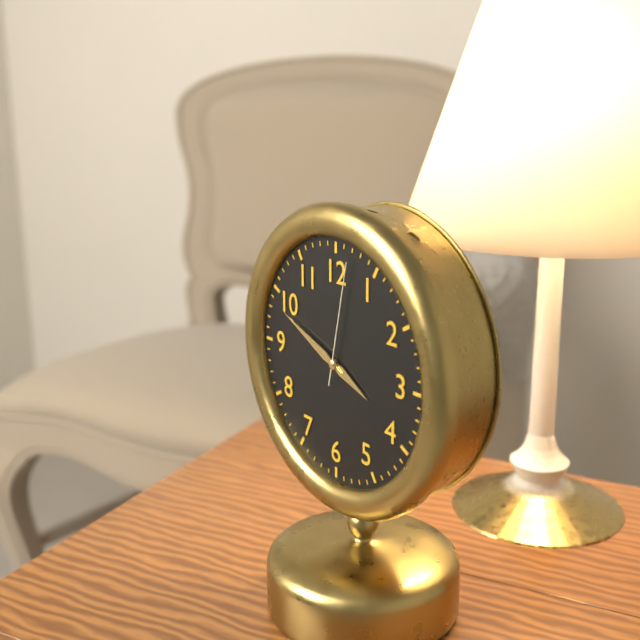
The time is h=3 m=49 s=2
